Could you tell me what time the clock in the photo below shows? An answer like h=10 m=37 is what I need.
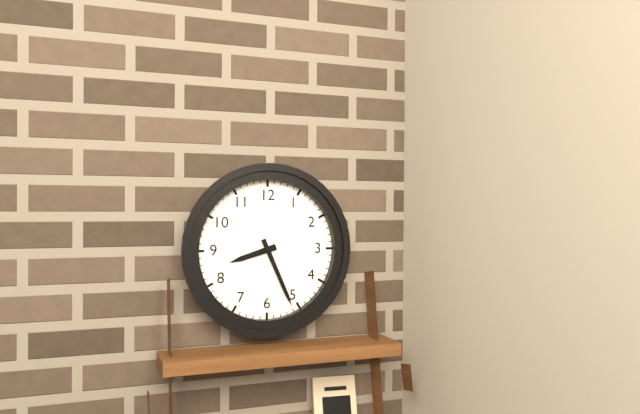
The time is h=8 m=26
